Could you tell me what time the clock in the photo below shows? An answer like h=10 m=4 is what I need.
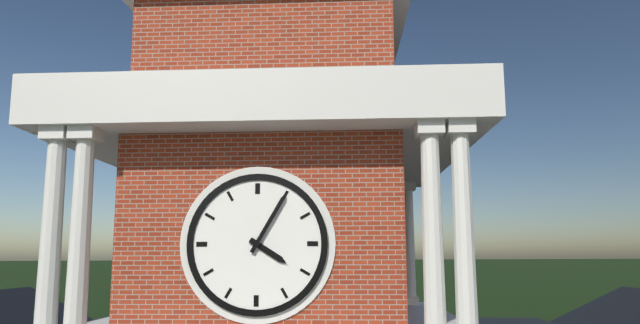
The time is h=4 m=5
